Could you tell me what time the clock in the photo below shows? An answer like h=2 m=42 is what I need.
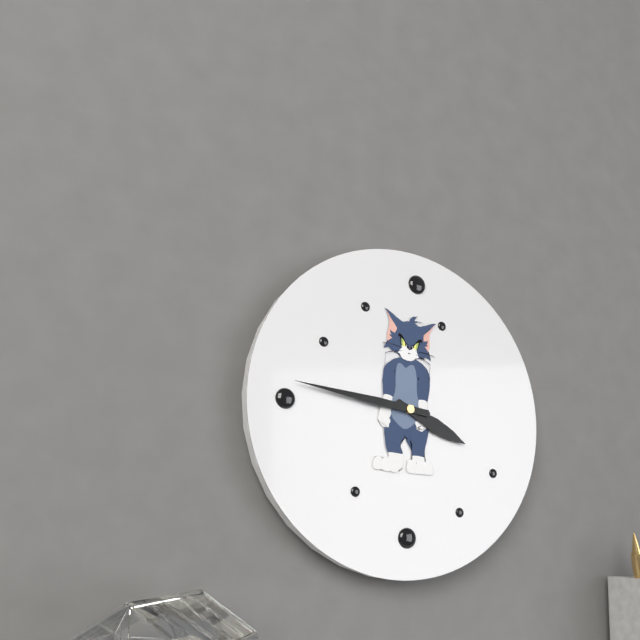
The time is h=3 m=46
